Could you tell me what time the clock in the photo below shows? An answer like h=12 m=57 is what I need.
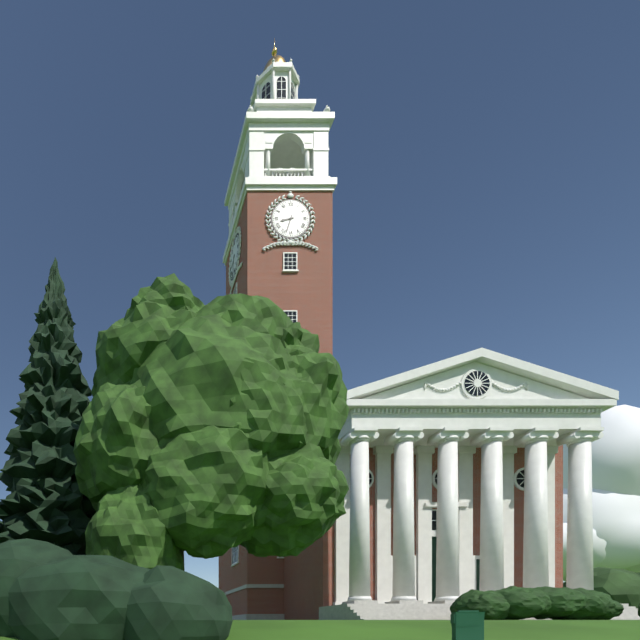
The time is h=8 m=33
